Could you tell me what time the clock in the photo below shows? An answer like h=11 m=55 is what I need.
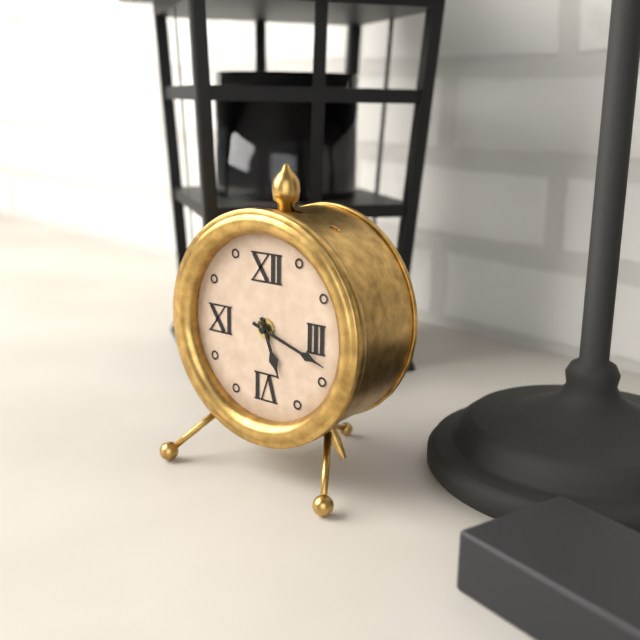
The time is h=5 m=18
